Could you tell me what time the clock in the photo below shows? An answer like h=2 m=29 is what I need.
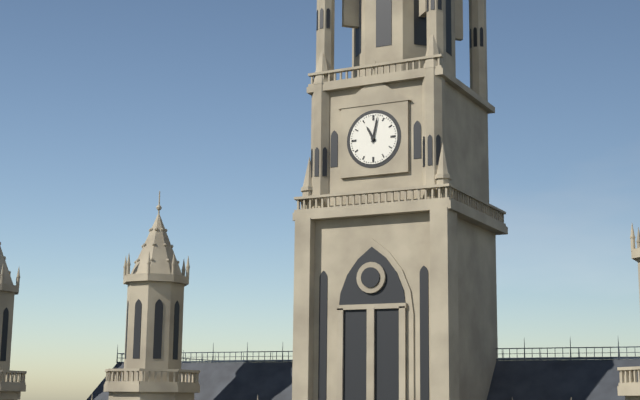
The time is h=11 m=2
